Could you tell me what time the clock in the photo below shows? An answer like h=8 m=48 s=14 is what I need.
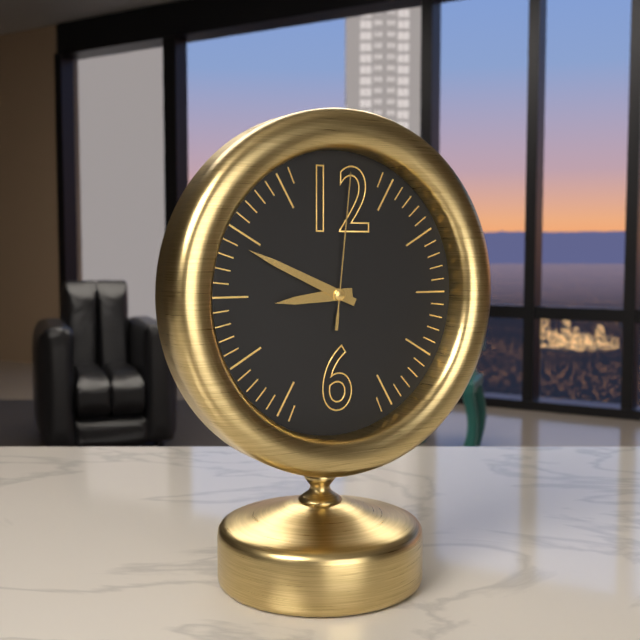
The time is h=8 m=49 s=1
